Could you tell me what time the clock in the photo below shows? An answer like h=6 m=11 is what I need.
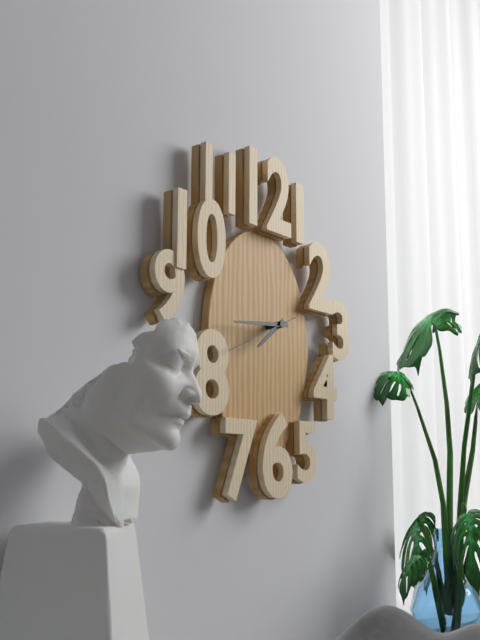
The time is h=7 m=44
